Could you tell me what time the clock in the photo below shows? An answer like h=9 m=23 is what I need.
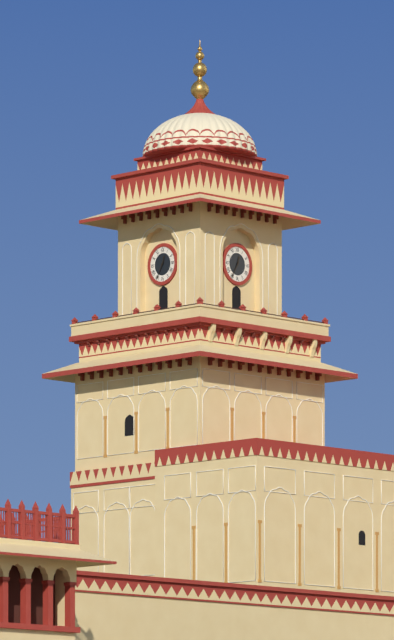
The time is h=12 m=35
